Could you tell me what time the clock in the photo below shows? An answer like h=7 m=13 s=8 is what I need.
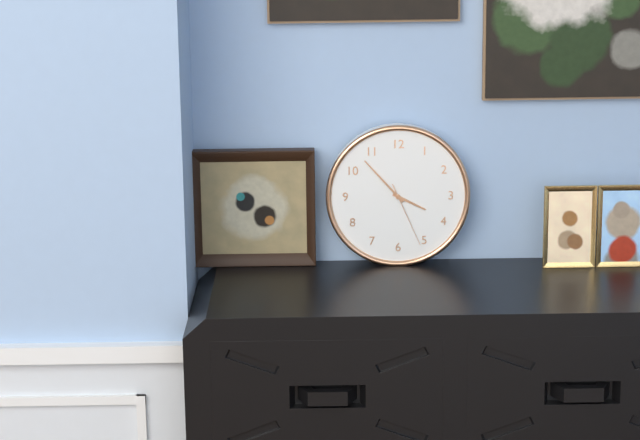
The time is h=3 m=53 s=26
